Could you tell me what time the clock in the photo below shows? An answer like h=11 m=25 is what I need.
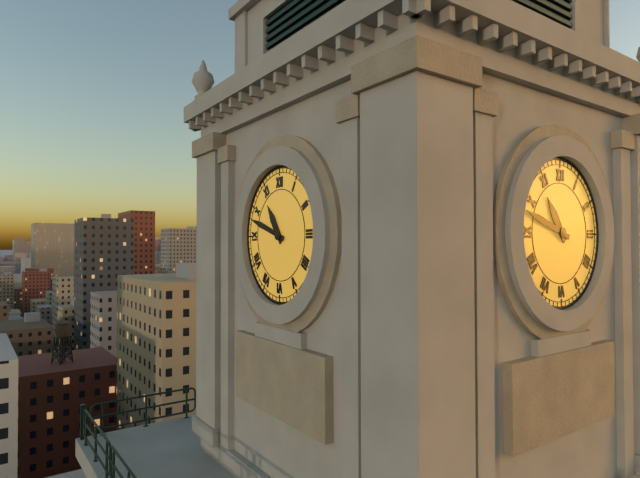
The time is h=10 m=48
